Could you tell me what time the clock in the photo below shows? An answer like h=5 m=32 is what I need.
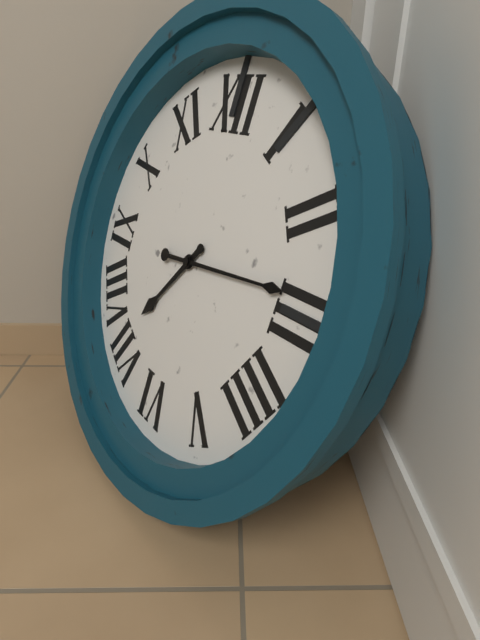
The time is h=7 m=14
